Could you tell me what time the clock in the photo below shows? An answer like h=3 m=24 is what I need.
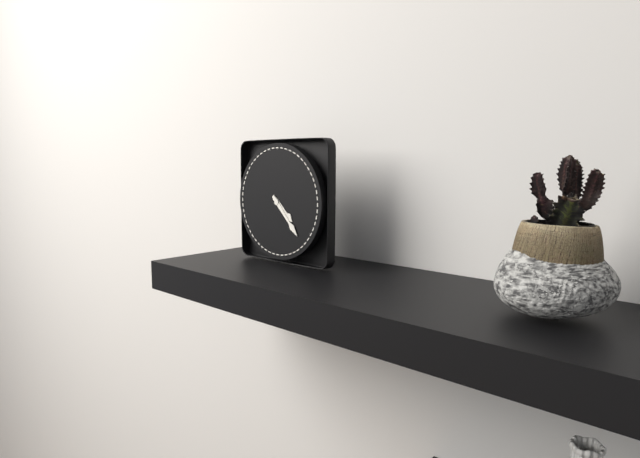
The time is h=4 m=23
